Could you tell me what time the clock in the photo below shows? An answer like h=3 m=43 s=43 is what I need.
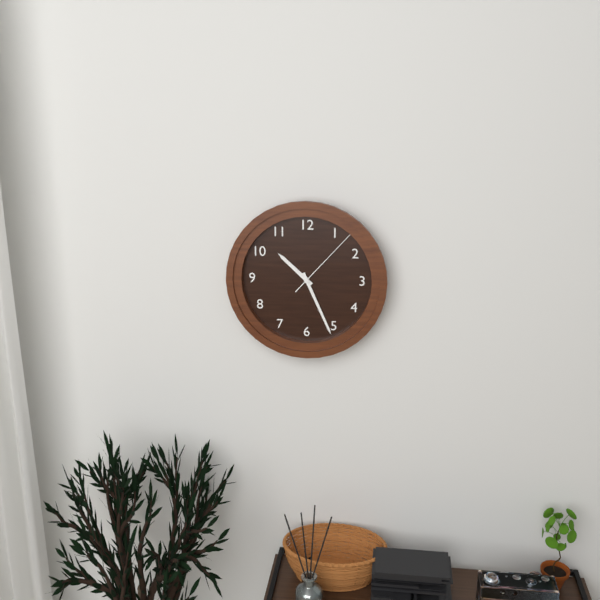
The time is h=10 m=26 s=7
